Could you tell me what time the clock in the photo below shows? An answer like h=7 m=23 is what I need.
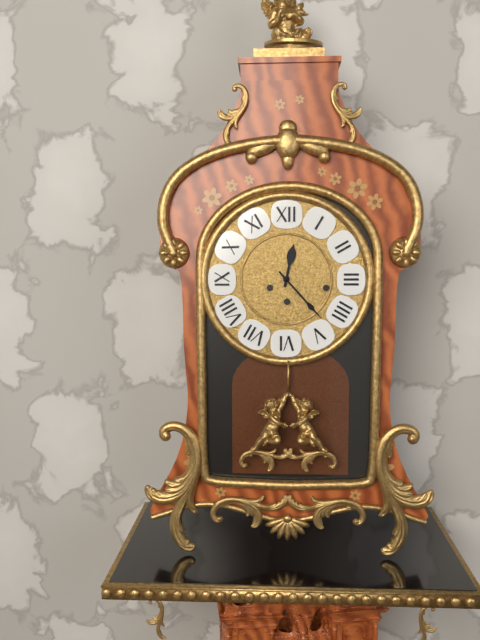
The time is h=12 m=23
